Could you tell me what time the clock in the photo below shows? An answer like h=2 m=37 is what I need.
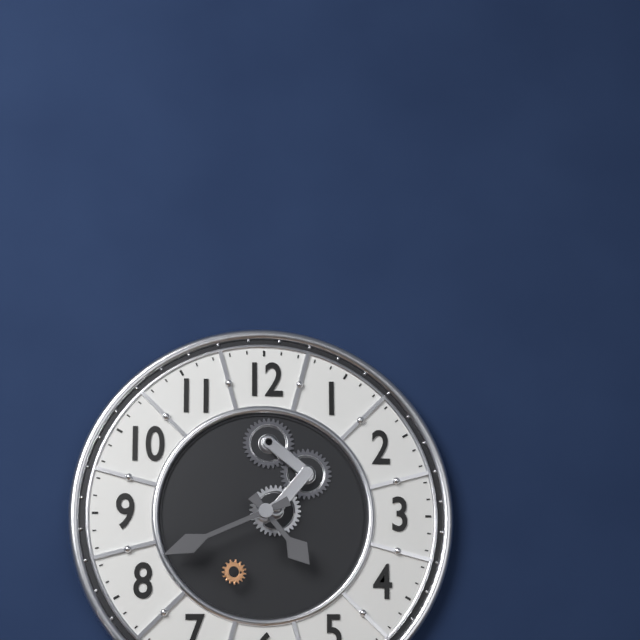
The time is h=4 m=41
